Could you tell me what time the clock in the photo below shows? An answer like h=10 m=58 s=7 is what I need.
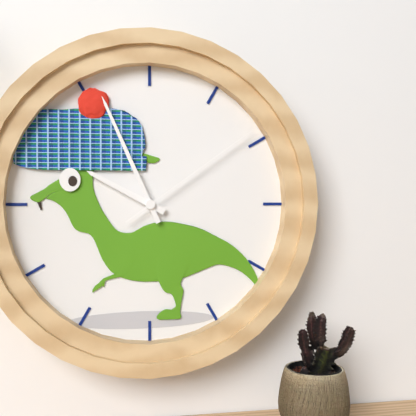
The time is h=9 m=56 s=9
